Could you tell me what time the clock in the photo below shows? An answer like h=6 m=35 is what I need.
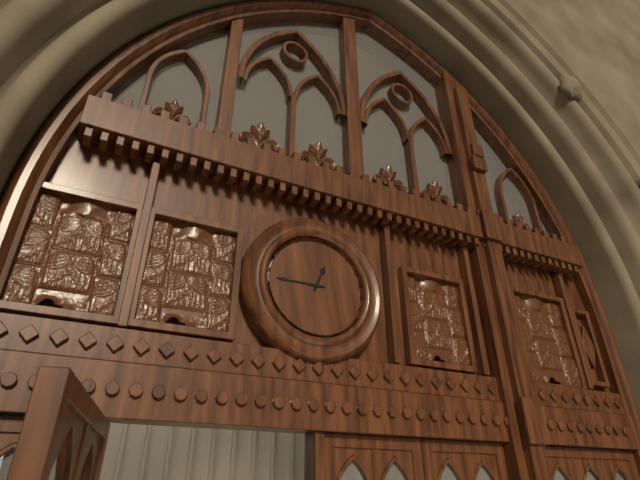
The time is h=12 m=45
